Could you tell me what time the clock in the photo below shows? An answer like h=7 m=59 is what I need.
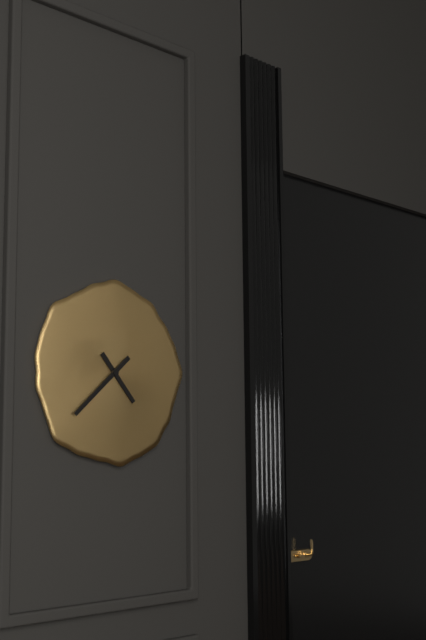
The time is h=4 m=38
